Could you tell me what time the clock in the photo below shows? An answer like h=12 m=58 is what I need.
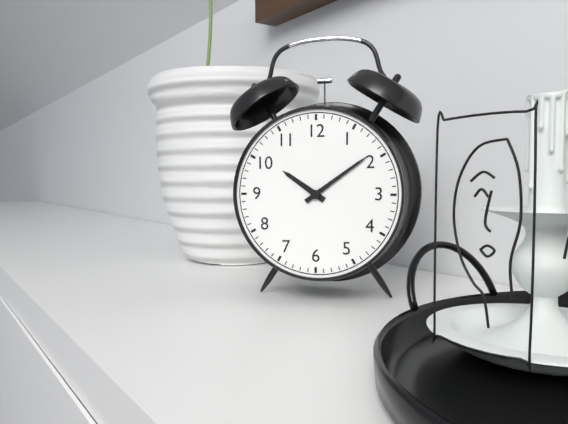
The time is h=10 m=9
